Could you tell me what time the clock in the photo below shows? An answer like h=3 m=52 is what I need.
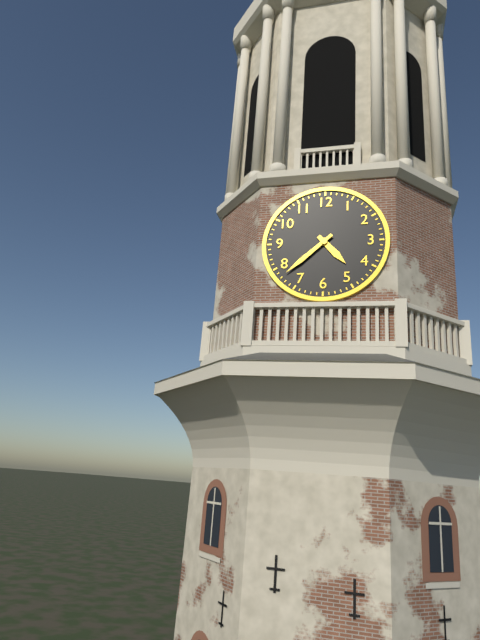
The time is h=4 m=38
